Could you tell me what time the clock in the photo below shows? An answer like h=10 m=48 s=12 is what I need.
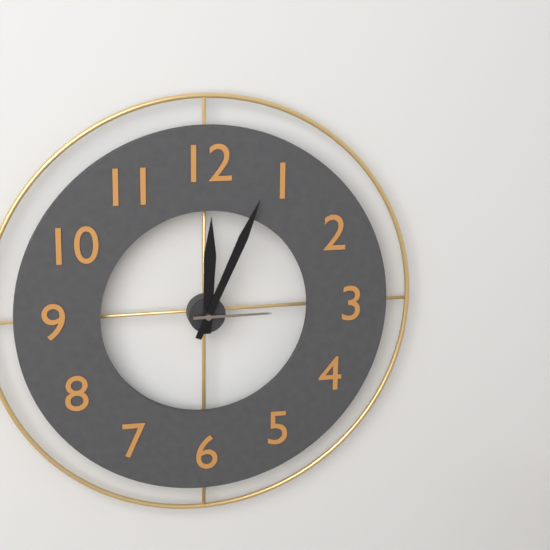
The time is h=12 m=4 s=15
